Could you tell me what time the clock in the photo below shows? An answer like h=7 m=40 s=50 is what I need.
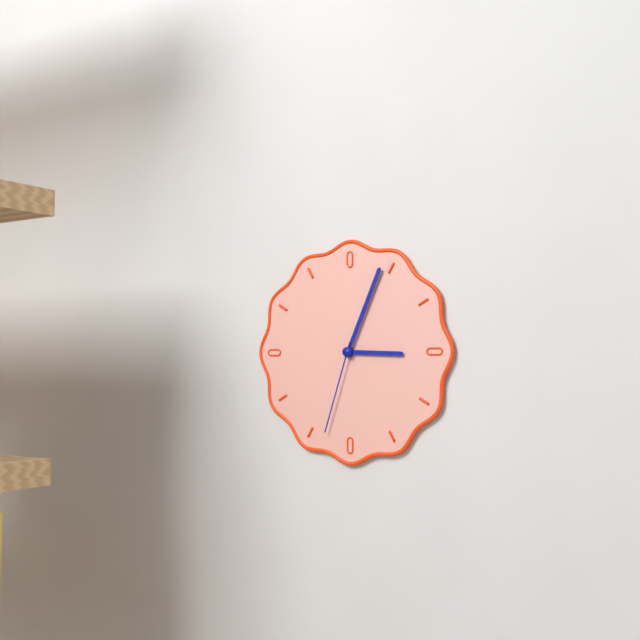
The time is h=3 m=4 s=33
